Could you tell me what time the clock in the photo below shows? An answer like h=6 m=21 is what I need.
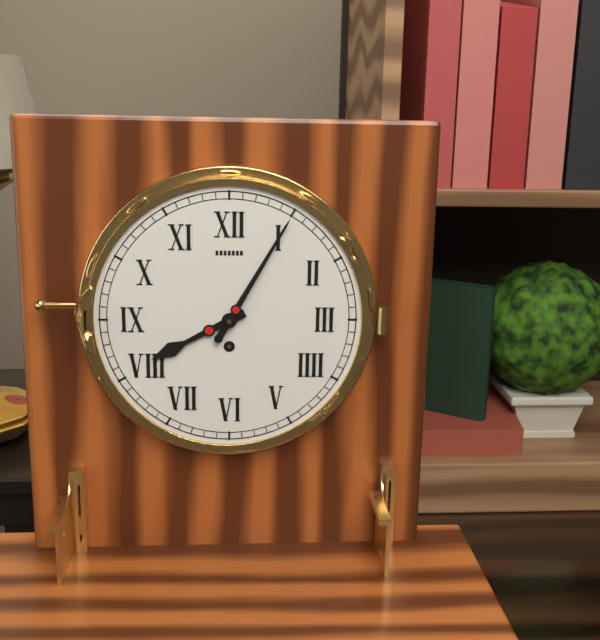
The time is h=8 m=5
